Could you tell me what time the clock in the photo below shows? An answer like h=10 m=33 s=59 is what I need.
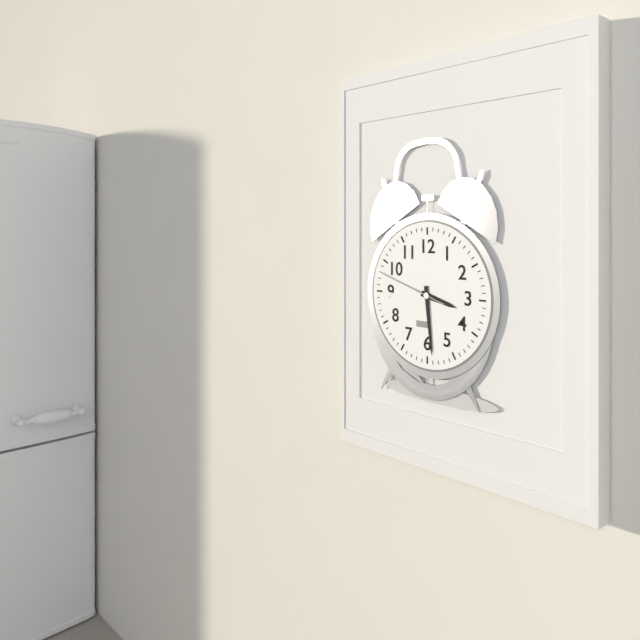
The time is h=3 m=29 s=48
